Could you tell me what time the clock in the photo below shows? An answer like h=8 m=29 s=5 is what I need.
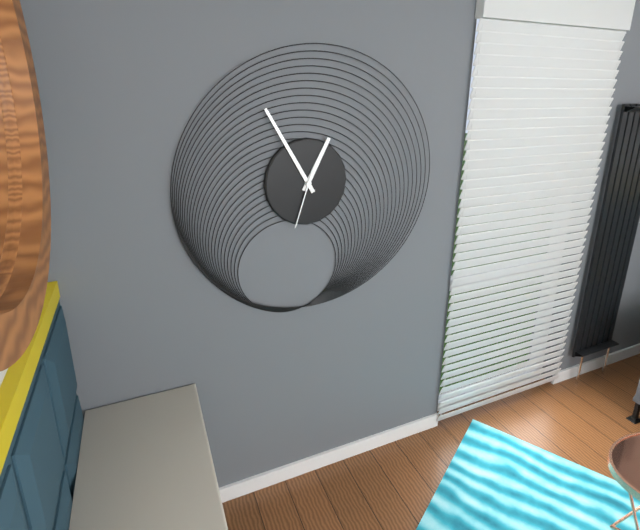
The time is h=12 m=55 s=33
